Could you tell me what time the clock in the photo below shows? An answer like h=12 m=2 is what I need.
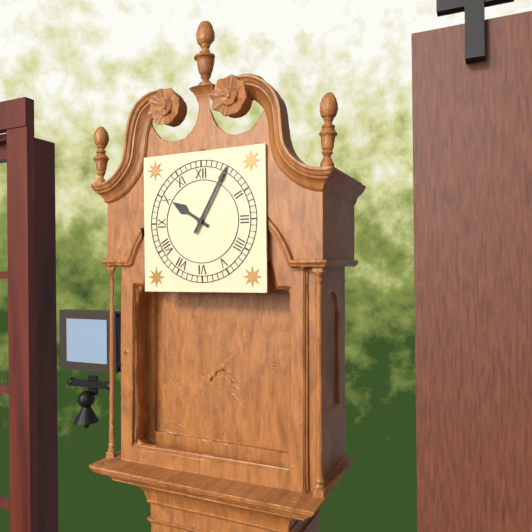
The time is h=10 m=5
